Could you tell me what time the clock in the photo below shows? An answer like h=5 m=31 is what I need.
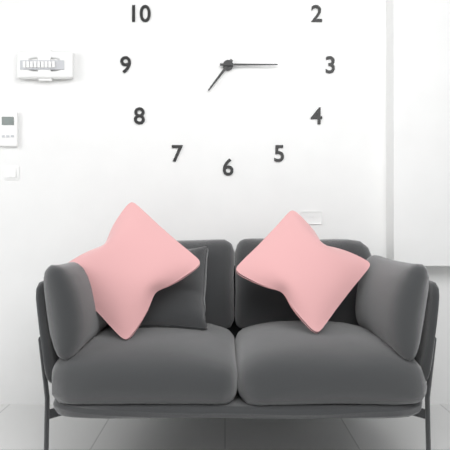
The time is h=7 m=15
